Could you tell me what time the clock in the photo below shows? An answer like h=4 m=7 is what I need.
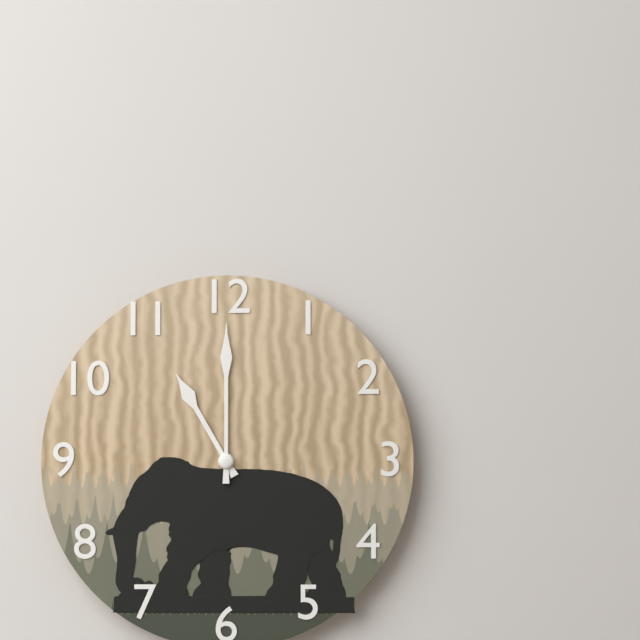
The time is h=11 m=0
